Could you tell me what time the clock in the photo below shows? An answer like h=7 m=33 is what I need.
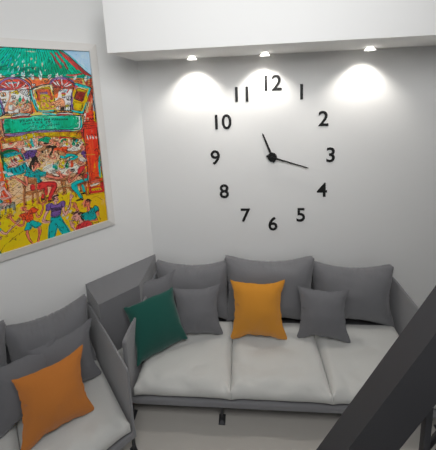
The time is h=11 m=18
